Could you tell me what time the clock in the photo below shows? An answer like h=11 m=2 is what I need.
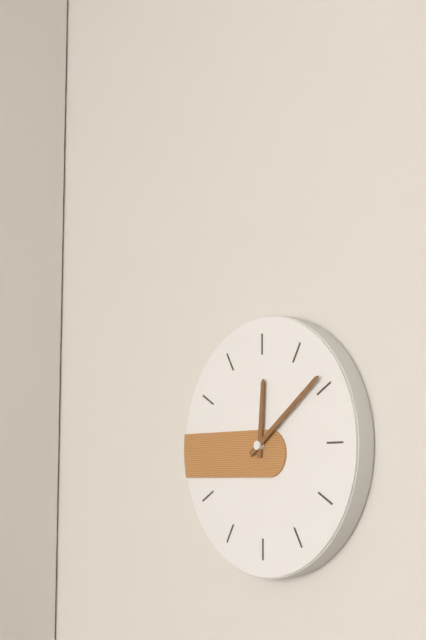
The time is h=12 m=9
